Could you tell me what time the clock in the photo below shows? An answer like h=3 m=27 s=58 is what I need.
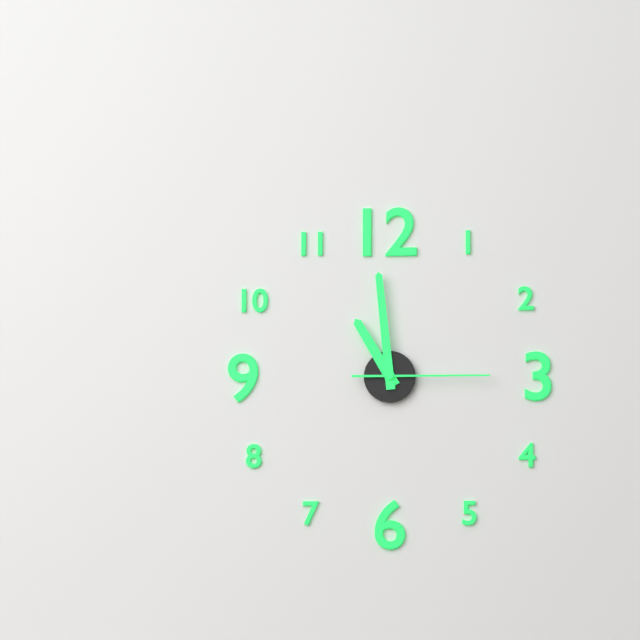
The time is h=10 m=59 s=15
